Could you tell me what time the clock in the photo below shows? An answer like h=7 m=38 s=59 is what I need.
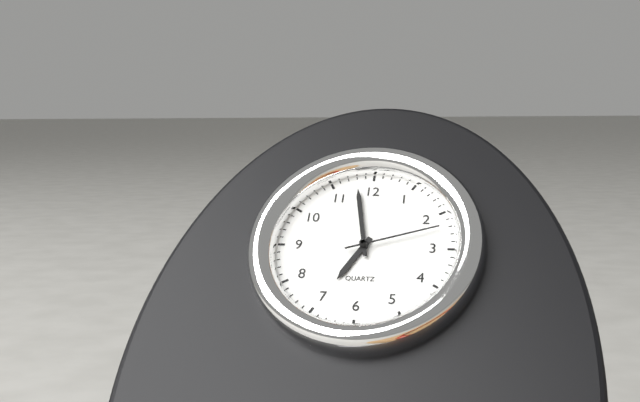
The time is h=6 m=58 s=12
